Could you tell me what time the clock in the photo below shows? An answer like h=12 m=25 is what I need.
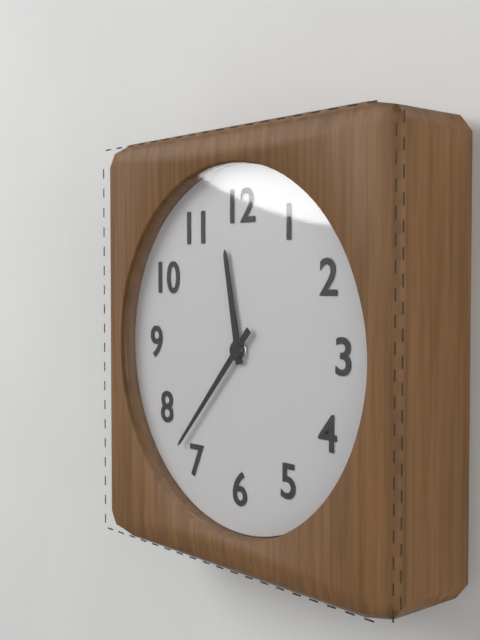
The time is h=11 m=37
